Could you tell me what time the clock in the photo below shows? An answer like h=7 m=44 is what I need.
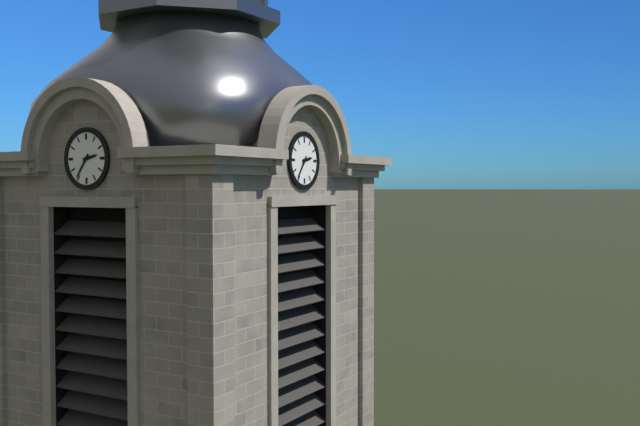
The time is h=2 m=36
